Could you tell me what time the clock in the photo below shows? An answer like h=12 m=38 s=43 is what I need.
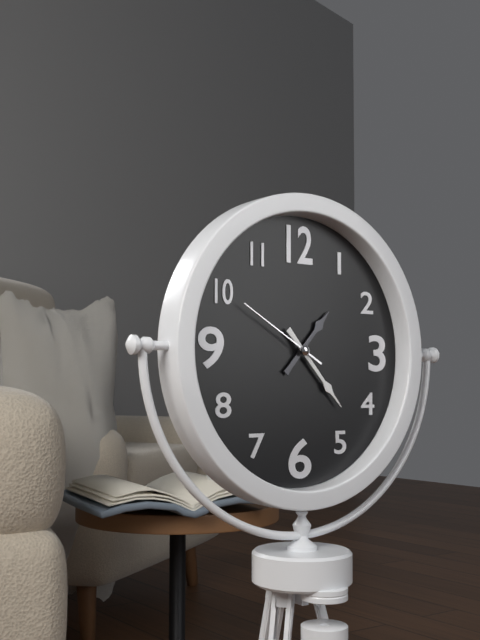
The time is h=1 m=23 s=50
